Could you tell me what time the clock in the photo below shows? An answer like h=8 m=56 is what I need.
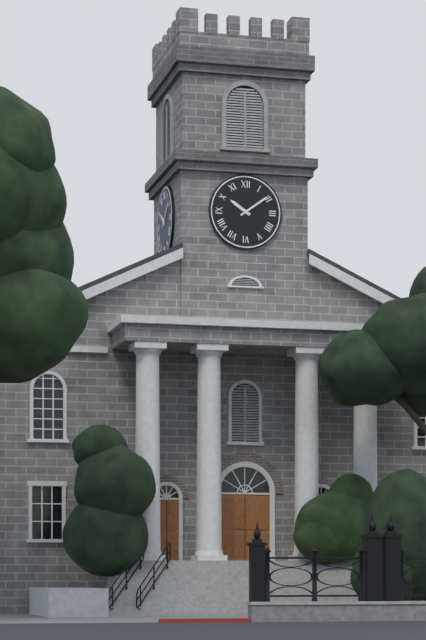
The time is h=10 m=9
